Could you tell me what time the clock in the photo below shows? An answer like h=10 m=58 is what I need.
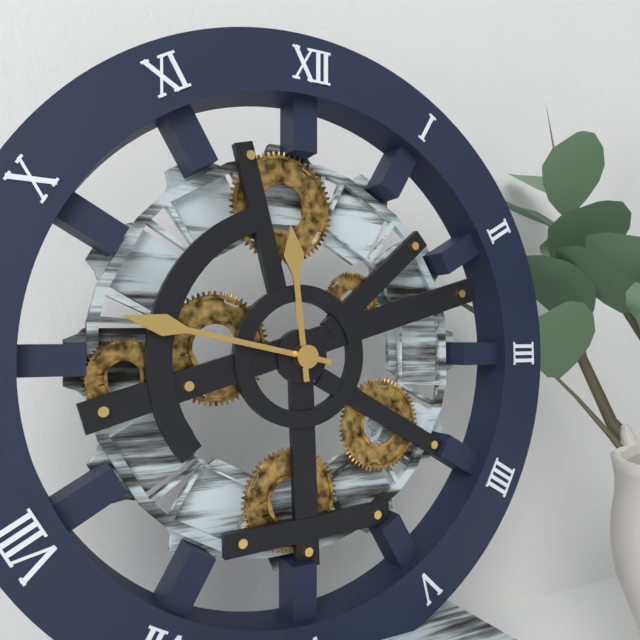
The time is h=11 m=47
